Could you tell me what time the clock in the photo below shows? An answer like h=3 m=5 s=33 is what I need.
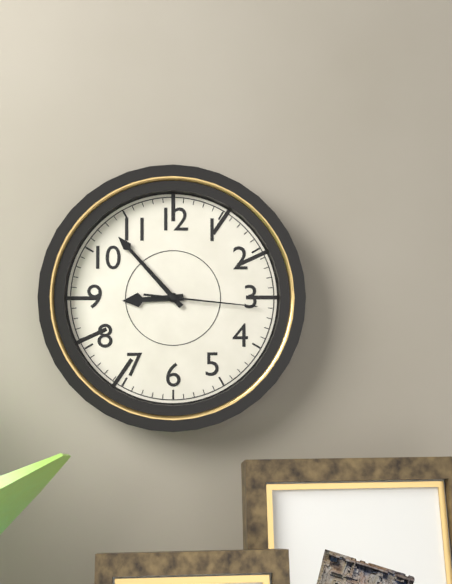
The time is h=8 m=53 s=16
